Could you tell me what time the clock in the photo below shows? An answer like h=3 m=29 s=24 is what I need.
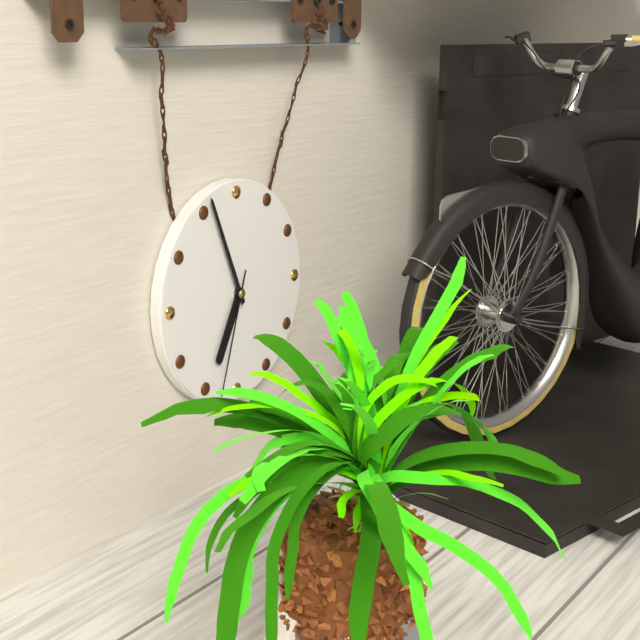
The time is h=6 m=56 s=33
